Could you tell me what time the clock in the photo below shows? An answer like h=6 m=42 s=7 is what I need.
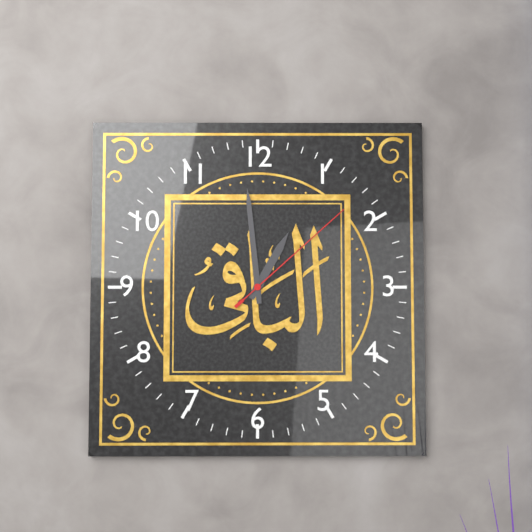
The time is h=12 m=59 s=8
